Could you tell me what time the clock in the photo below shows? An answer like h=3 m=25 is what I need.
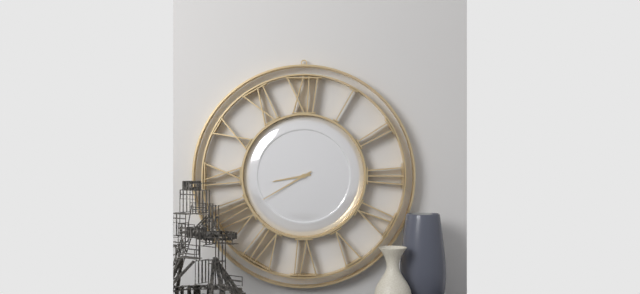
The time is h=8 m=40
